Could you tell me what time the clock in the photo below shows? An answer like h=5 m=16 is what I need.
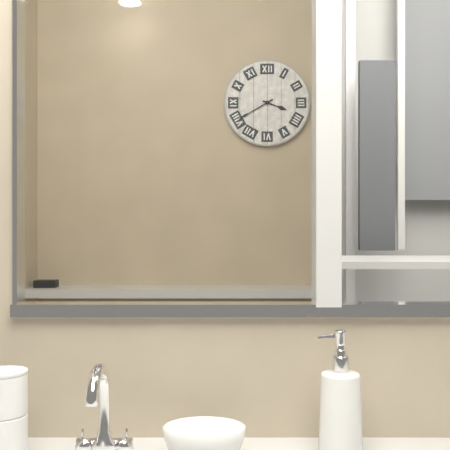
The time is h=3 m=40
